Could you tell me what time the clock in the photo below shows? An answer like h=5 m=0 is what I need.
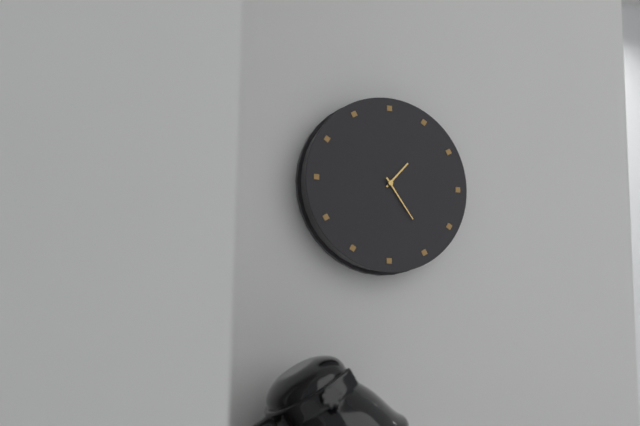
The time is h=1 m=24
